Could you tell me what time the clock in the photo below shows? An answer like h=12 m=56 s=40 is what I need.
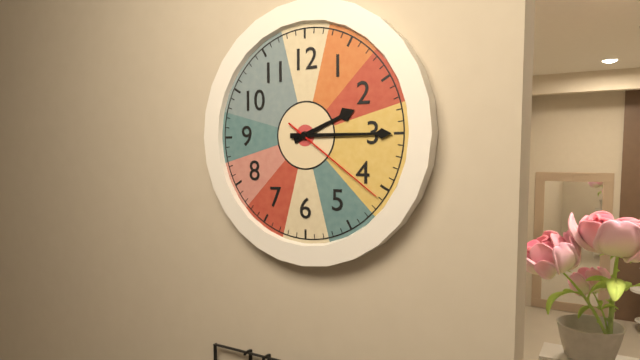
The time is h=2 m=15 s=21
